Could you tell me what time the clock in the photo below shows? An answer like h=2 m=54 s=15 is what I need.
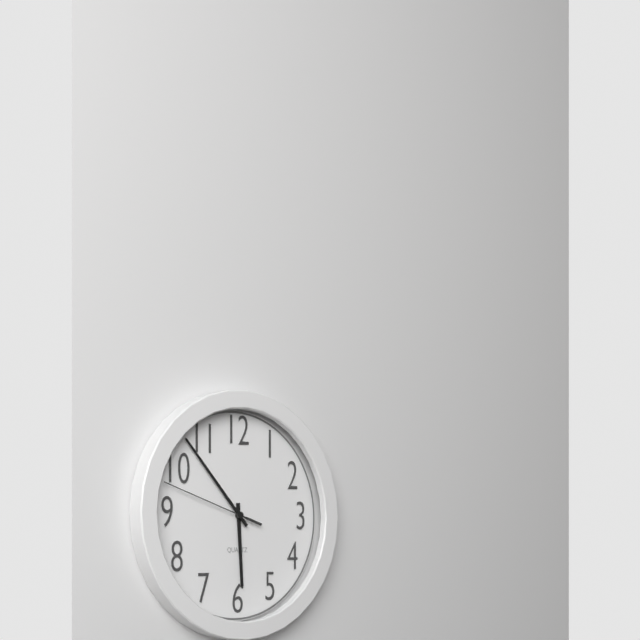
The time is h=5 m=53 s=48
